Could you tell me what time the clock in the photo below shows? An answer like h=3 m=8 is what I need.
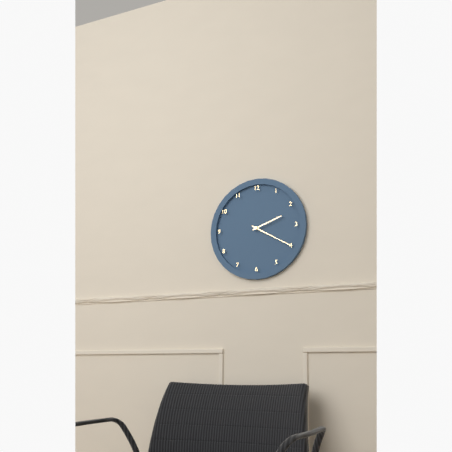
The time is h=2 m=20
